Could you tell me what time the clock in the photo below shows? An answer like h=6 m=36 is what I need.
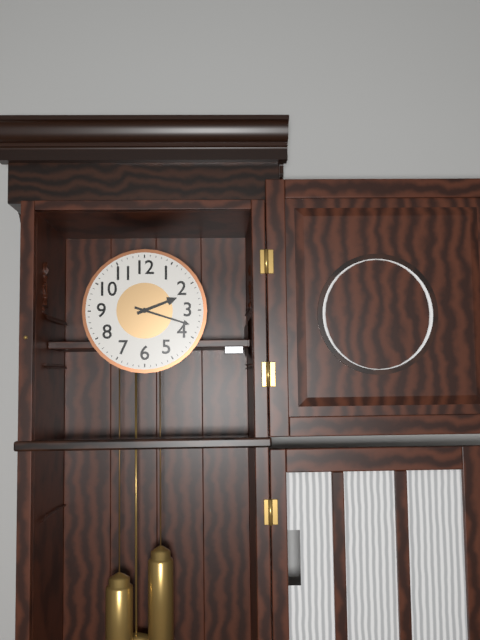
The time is h=2 m=18
